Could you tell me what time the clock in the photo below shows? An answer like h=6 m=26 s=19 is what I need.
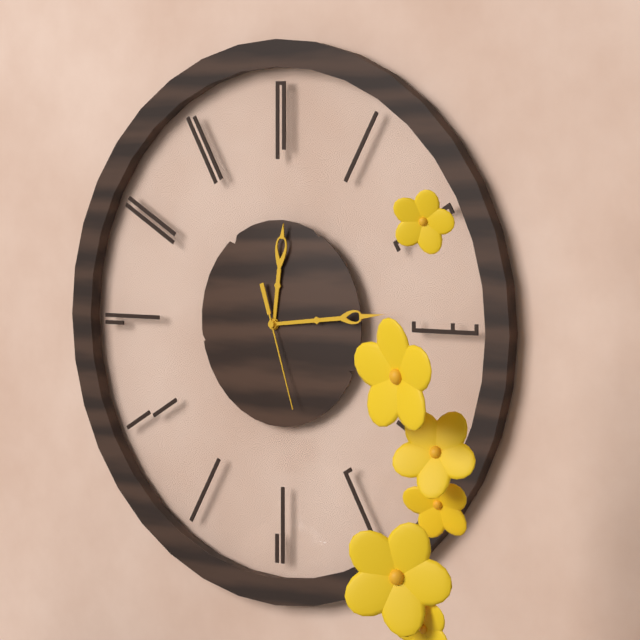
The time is h=12 m=14 s=27
